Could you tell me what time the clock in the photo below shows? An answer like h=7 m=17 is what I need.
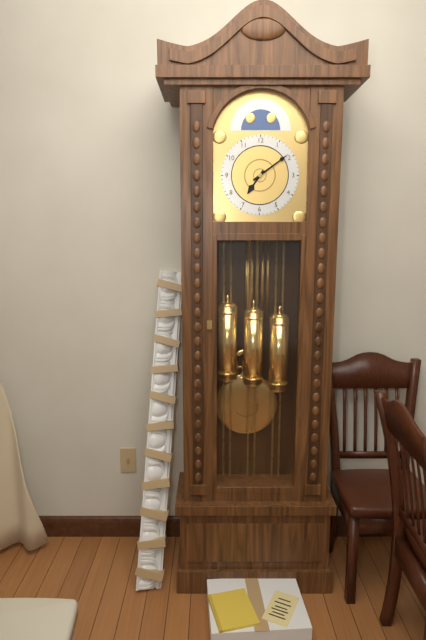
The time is h=7 m=9
